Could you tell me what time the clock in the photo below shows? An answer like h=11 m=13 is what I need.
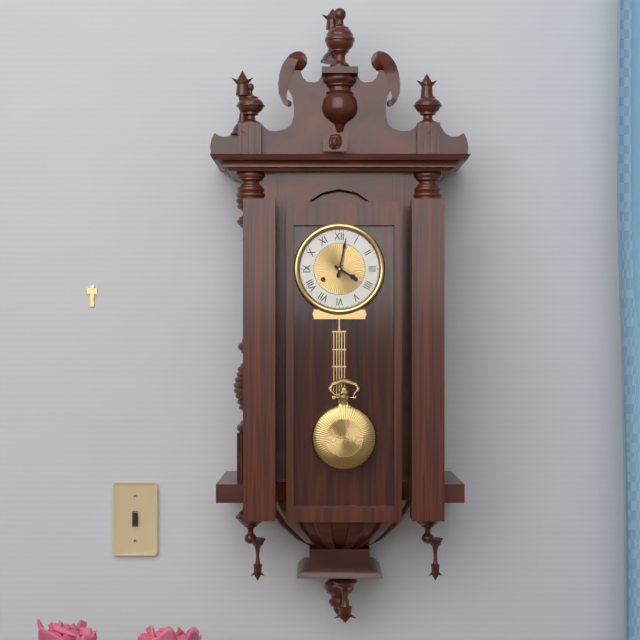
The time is h=4 m=2
